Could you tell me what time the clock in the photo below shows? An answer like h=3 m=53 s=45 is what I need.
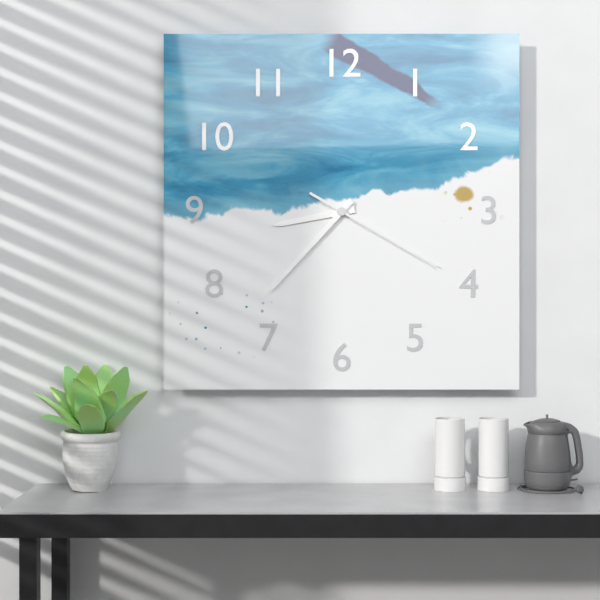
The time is h=8 m=37 s=20
